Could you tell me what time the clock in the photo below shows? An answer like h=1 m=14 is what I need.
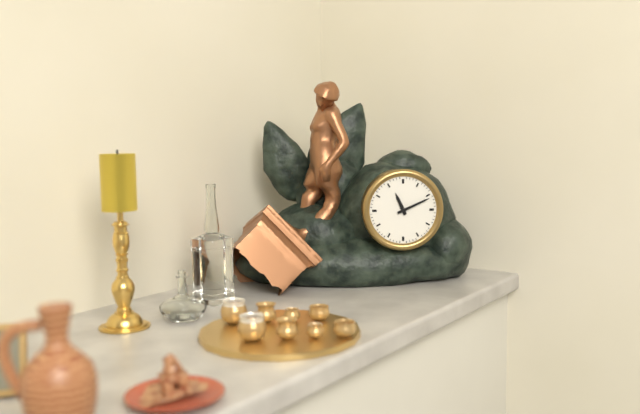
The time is h=11 m=11
